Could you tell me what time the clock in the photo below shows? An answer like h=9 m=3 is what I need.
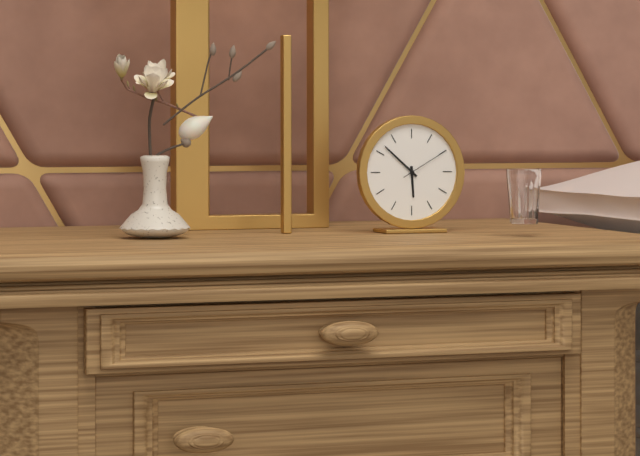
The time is h=5 m=52
